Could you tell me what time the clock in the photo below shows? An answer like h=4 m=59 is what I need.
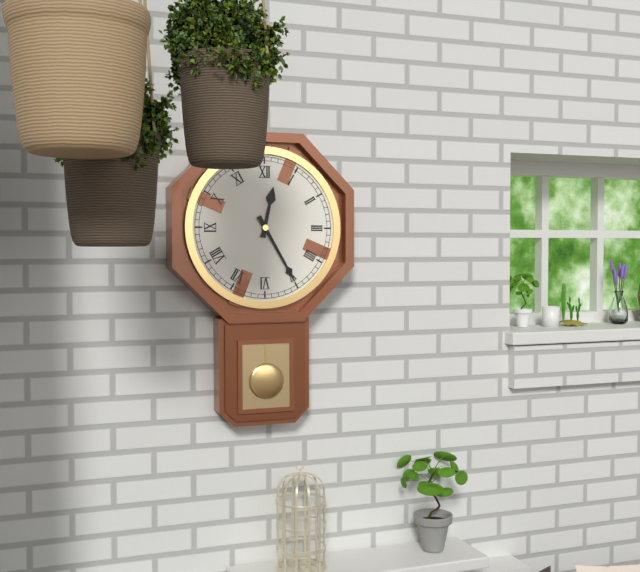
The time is h=12 m=25
